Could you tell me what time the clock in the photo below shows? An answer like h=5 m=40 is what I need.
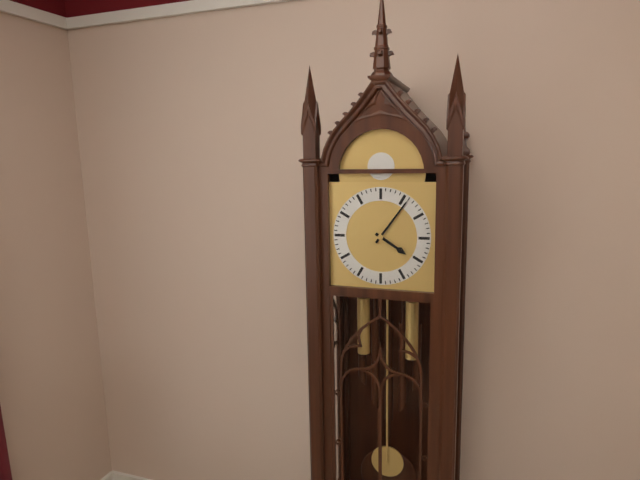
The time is h=4 m=6
